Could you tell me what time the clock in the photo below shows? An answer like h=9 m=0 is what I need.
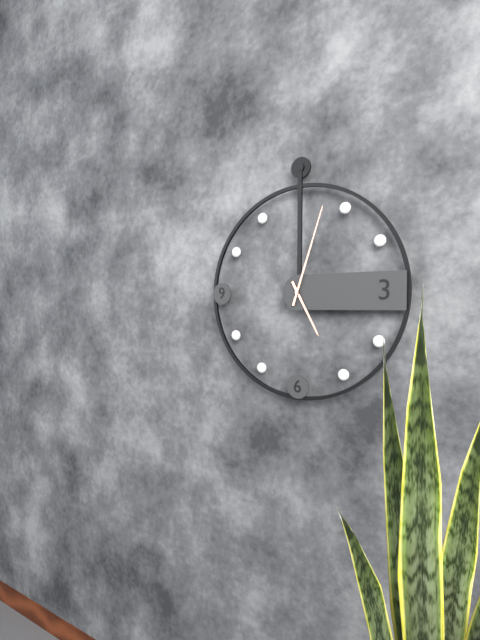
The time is h=5 m=3
